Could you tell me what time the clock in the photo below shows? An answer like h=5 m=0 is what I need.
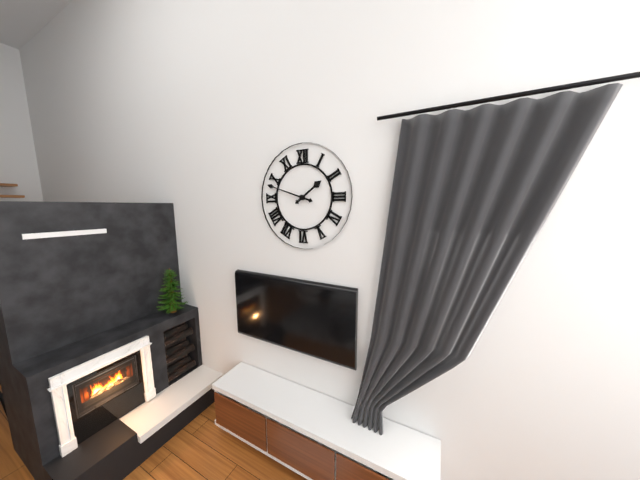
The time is h=1 m=48
